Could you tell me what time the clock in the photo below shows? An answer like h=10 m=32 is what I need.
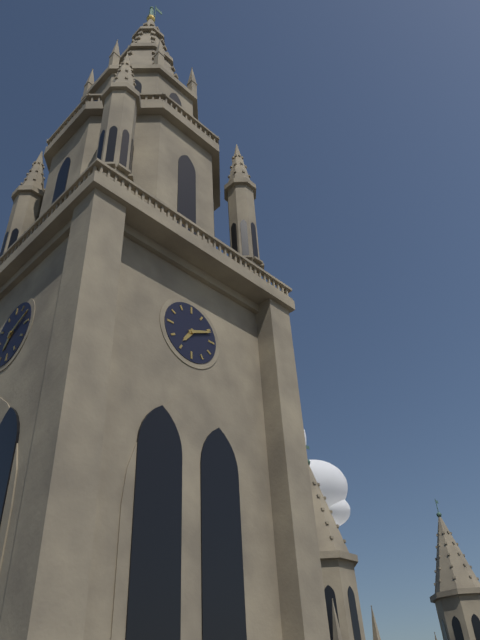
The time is h=7 m=11
